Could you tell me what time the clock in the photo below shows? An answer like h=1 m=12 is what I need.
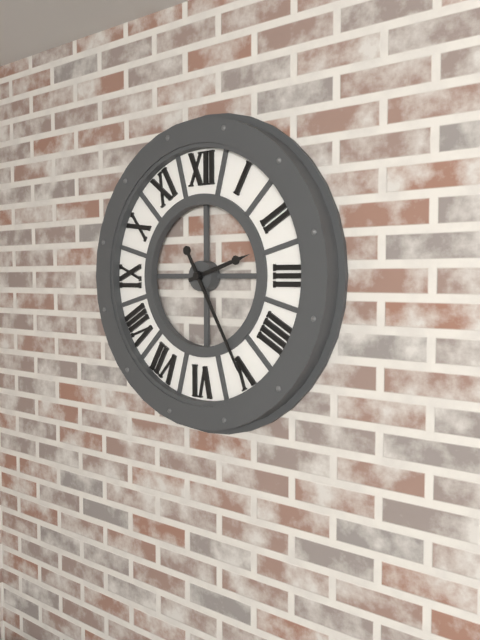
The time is h=2 m=25
